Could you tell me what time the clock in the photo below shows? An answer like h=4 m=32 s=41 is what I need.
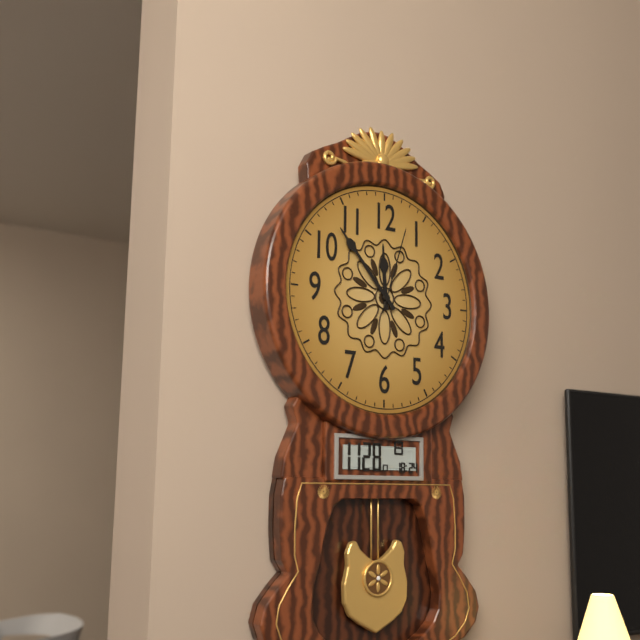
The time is h=11 m=53 s=3
